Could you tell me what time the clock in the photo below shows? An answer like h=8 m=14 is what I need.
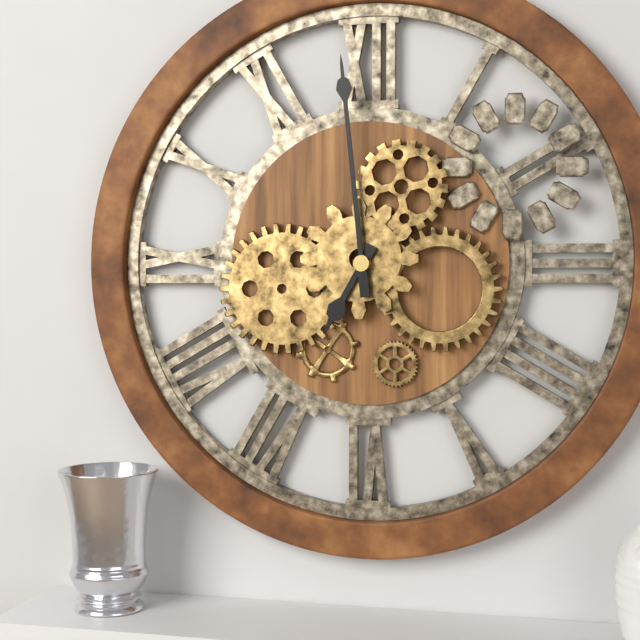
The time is h=6 m=59
